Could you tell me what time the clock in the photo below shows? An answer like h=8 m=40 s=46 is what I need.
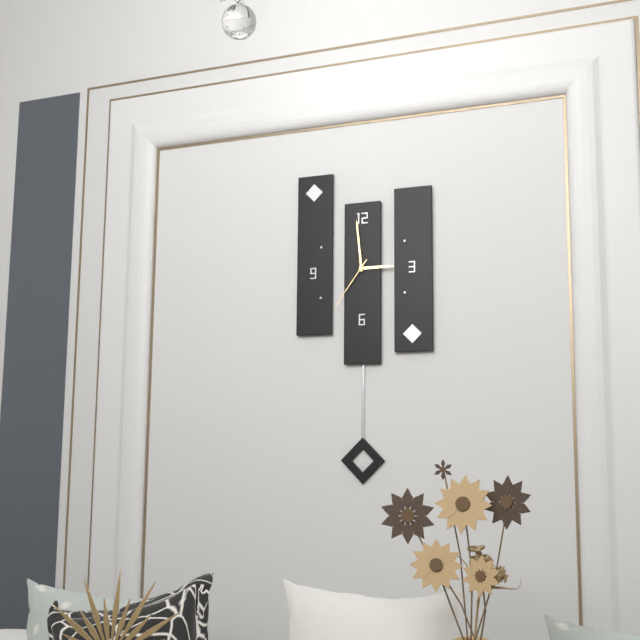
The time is h=2 m=59 s=36
